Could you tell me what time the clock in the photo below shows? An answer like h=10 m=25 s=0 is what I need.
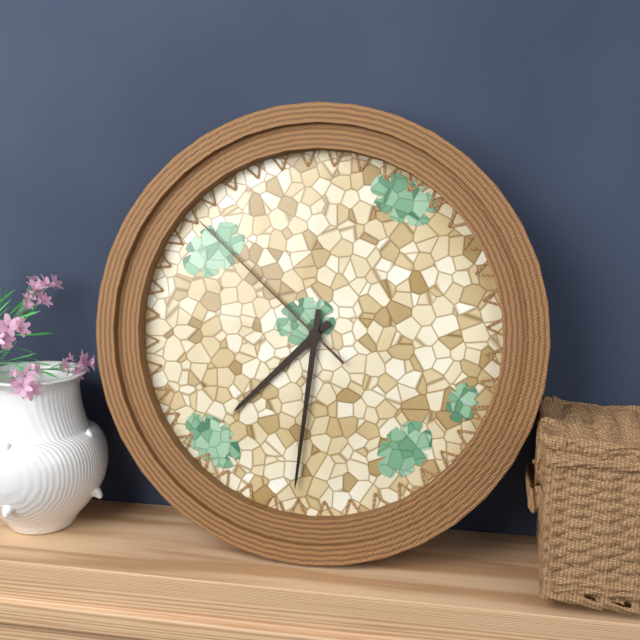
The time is h=7 m=31 s=52
